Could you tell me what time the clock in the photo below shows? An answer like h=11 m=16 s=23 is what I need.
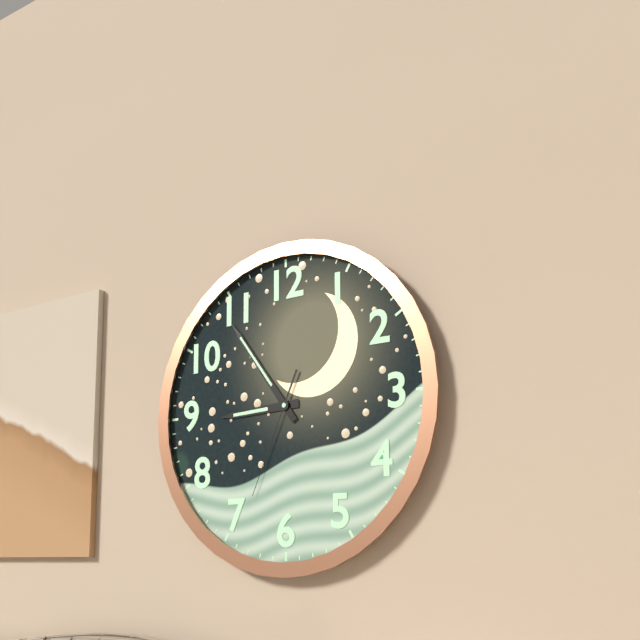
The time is h=8 m=54 s=34
